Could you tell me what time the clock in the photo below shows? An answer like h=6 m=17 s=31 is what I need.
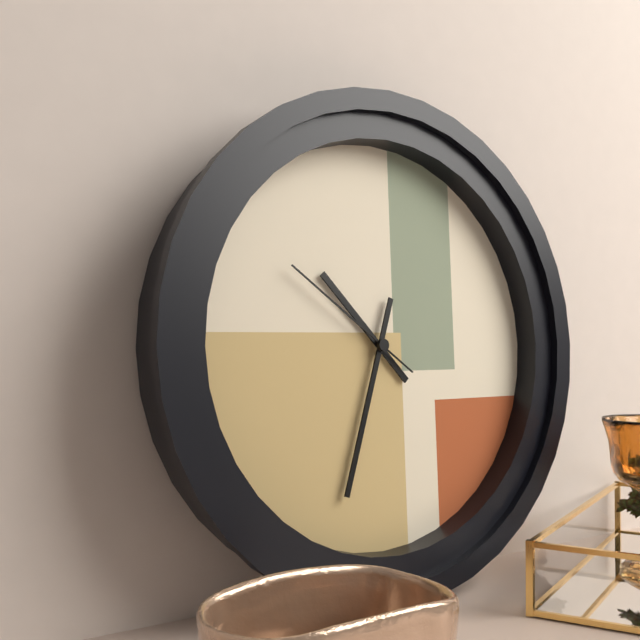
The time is h=10 m=33 s=51
